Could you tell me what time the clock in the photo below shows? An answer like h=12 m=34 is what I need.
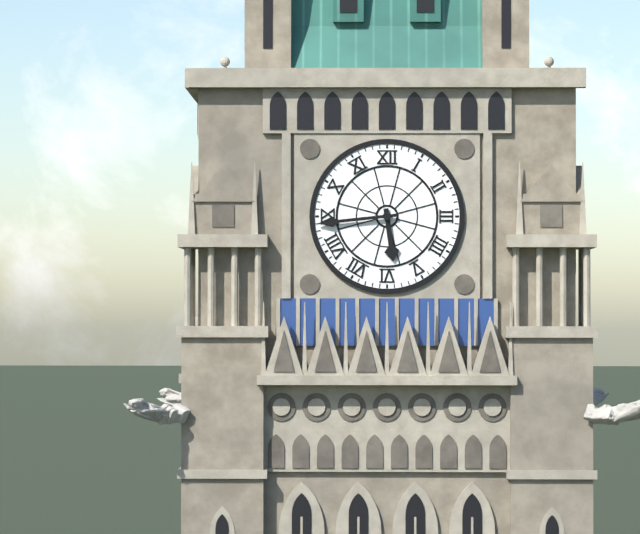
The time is h=5 m=44
